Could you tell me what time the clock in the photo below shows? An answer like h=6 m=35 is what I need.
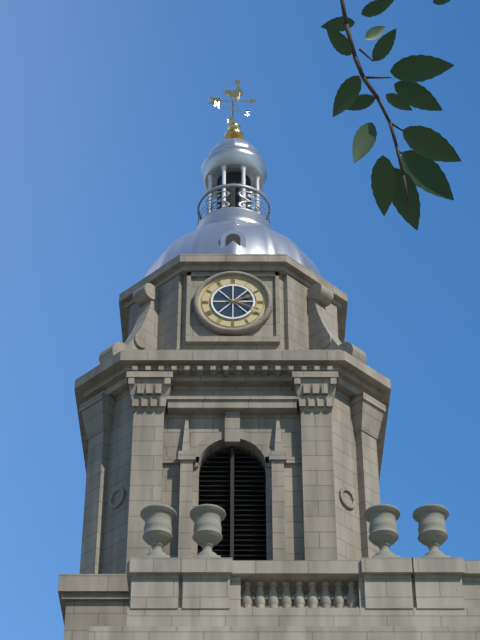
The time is h=2 m=19
